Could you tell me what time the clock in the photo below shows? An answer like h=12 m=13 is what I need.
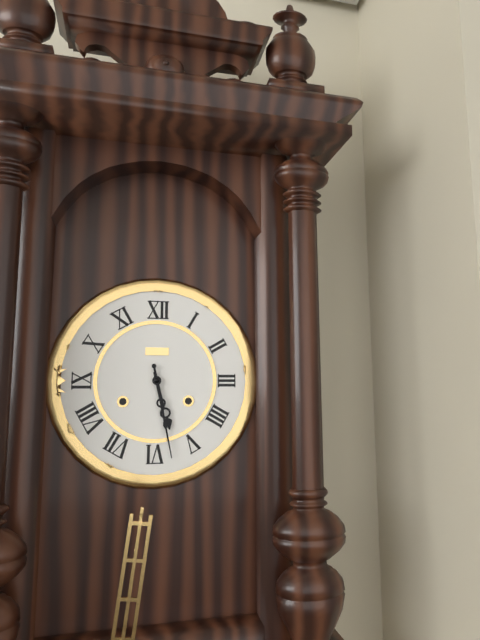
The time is h=5 m=28
